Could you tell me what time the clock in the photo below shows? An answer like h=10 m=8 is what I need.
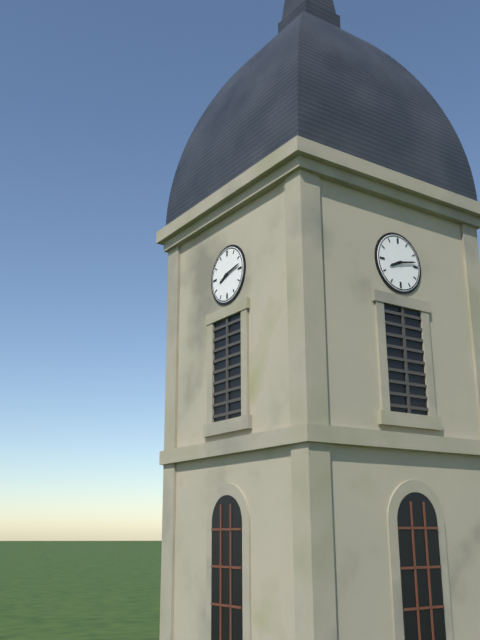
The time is h=8 m=13
